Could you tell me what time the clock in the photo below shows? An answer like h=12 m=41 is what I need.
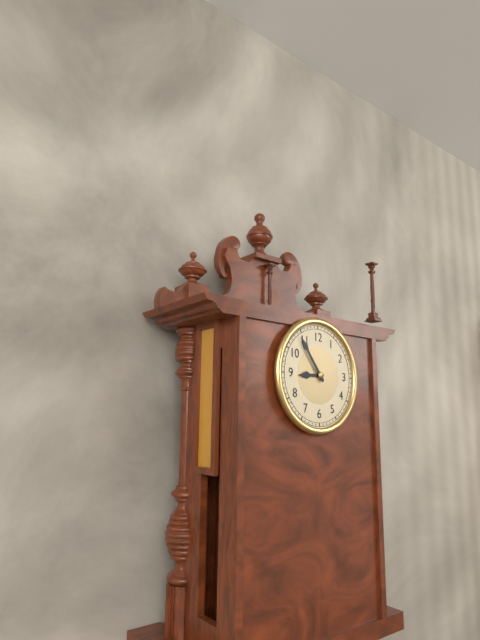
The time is h=8 m=54
